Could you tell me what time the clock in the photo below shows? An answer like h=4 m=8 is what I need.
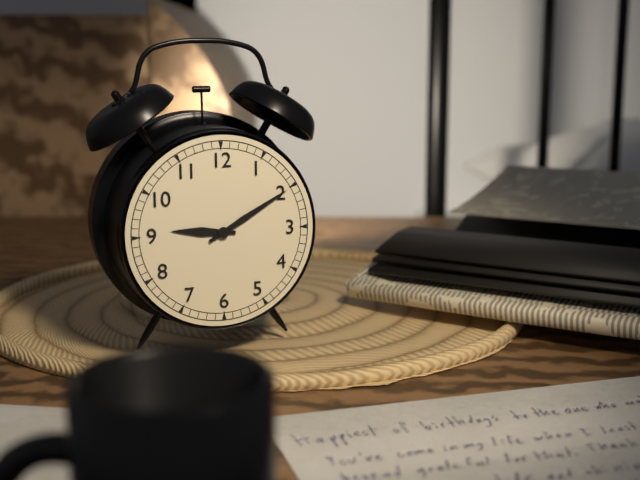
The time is h=9 m=10
